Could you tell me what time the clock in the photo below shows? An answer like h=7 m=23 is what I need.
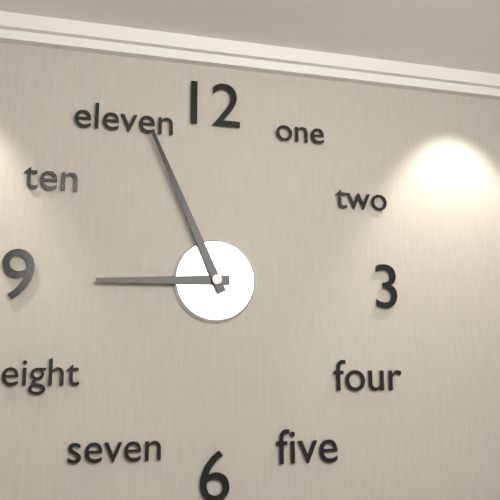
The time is h=8 m=56
